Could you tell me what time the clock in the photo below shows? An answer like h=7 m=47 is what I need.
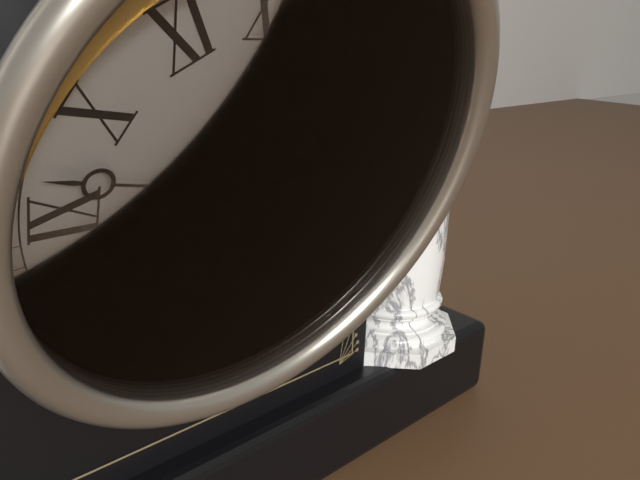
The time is h=4 m=47
